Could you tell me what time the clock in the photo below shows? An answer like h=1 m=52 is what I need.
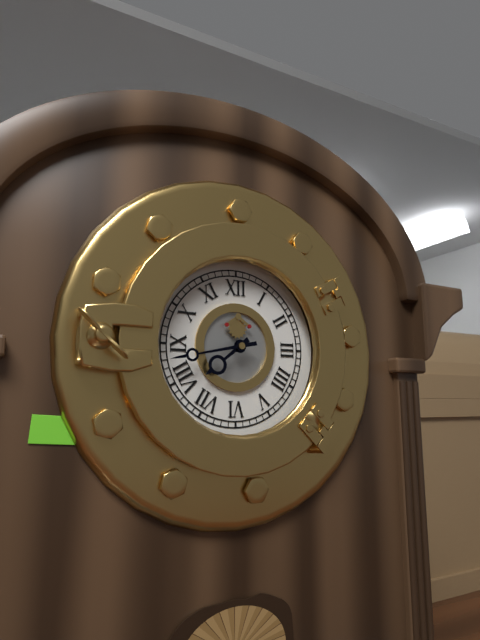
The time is h=7 m=43
